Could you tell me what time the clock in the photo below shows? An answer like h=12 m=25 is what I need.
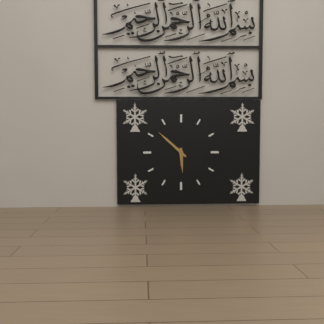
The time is h=5 m=52
